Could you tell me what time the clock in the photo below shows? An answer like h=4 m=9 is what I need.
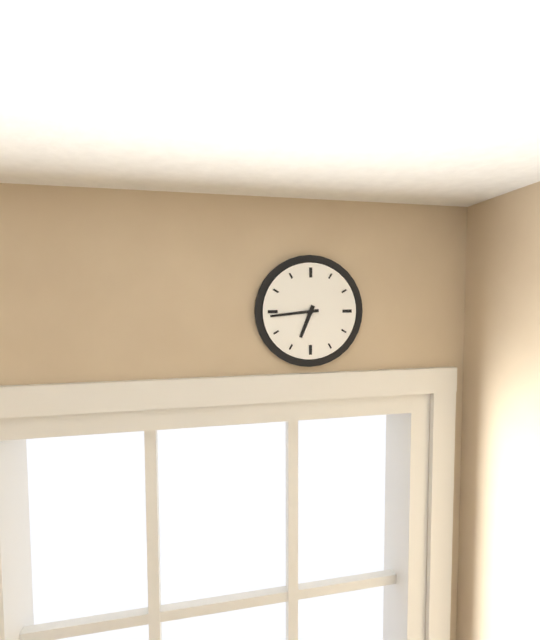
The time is h=6 m=44
